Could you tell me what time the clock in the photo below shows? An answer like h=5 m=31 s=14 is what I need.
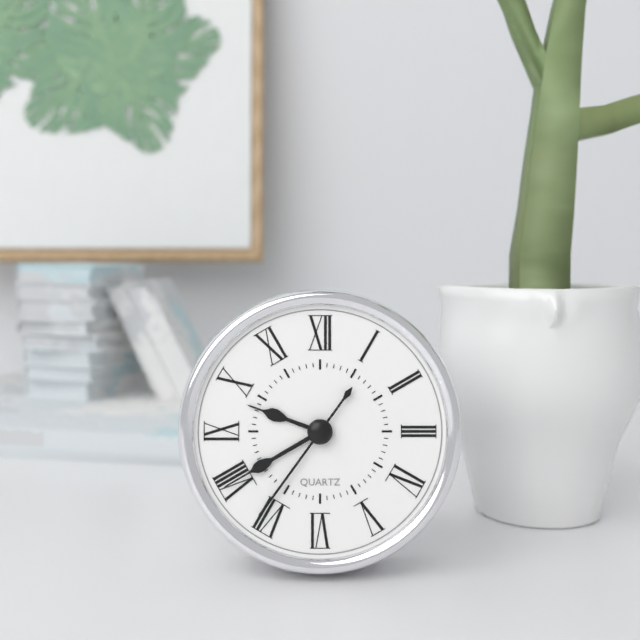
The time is h=9 m=40 s=36
